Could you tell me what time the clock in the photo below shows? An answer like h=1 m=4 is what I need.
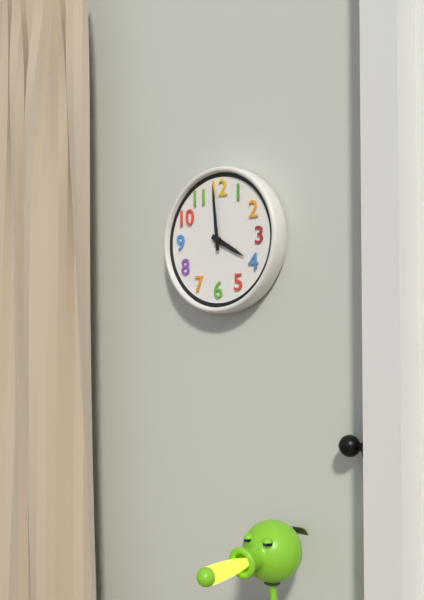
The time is h=3 m=59
